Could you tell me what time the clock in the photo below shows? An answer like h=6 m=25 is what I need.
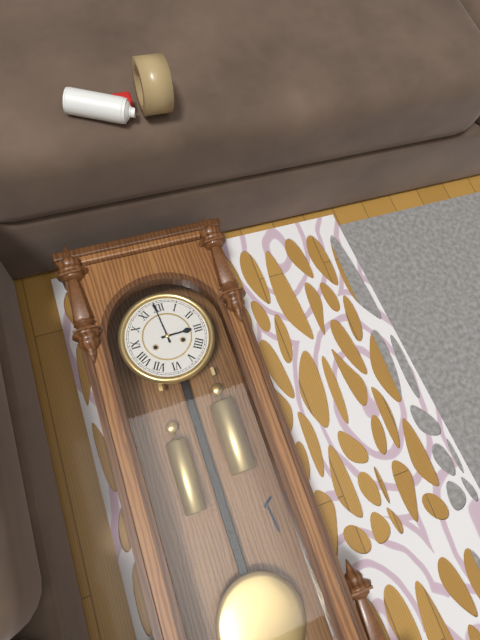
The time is h=2 m=59
